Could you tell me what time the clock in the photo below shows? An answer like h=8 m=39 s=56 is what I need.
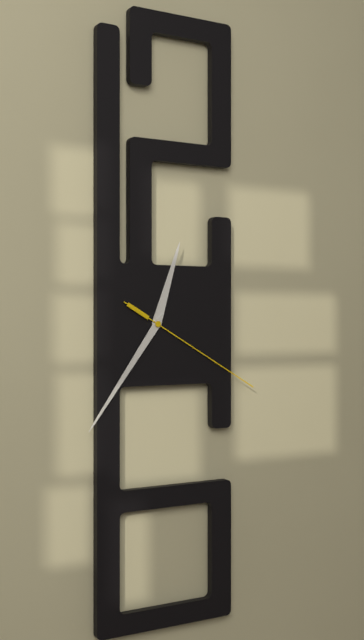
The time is h=12 m=36 s=20
